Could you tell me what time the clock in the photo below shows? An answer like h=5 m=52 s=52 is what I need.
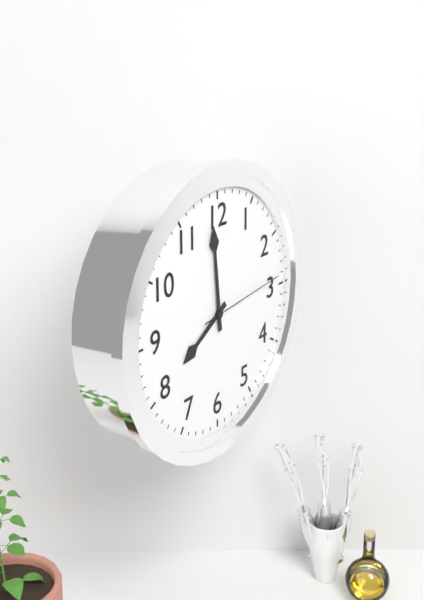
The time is h=7 m=59 s=14
